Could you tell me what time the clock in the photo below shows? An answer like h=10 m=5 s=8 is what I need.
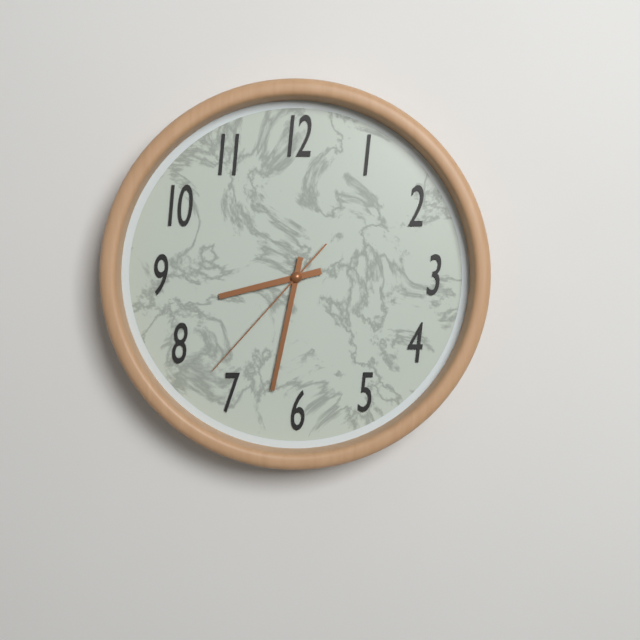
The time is h=8 m=32 s=37
